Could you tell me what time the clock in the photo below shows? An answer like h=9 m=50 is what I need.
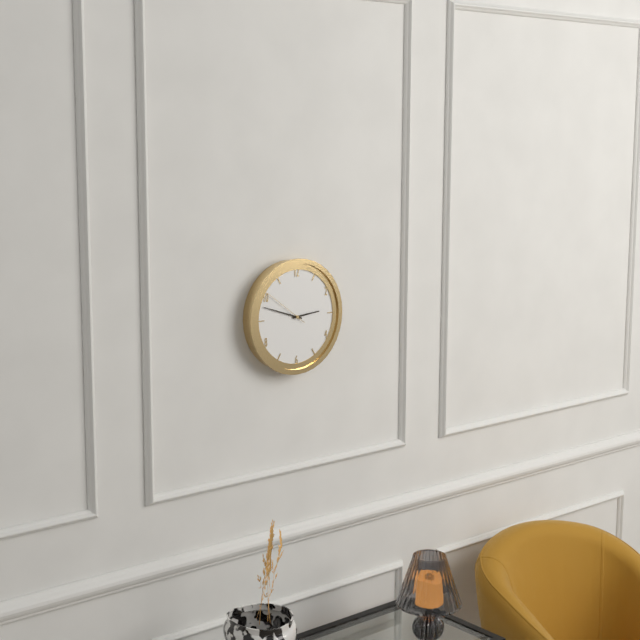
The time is h=2 m=48
